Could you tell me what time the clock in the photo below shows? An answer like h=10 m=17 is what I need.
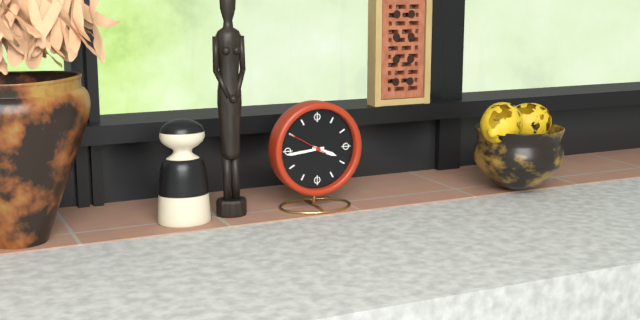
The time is h=3 m=44
